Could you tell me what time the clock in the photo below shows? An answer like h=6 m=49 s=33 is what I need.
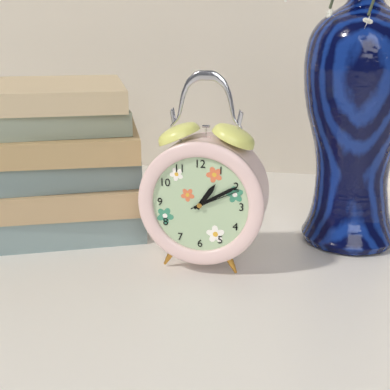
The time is h=1 m=10 s=11
